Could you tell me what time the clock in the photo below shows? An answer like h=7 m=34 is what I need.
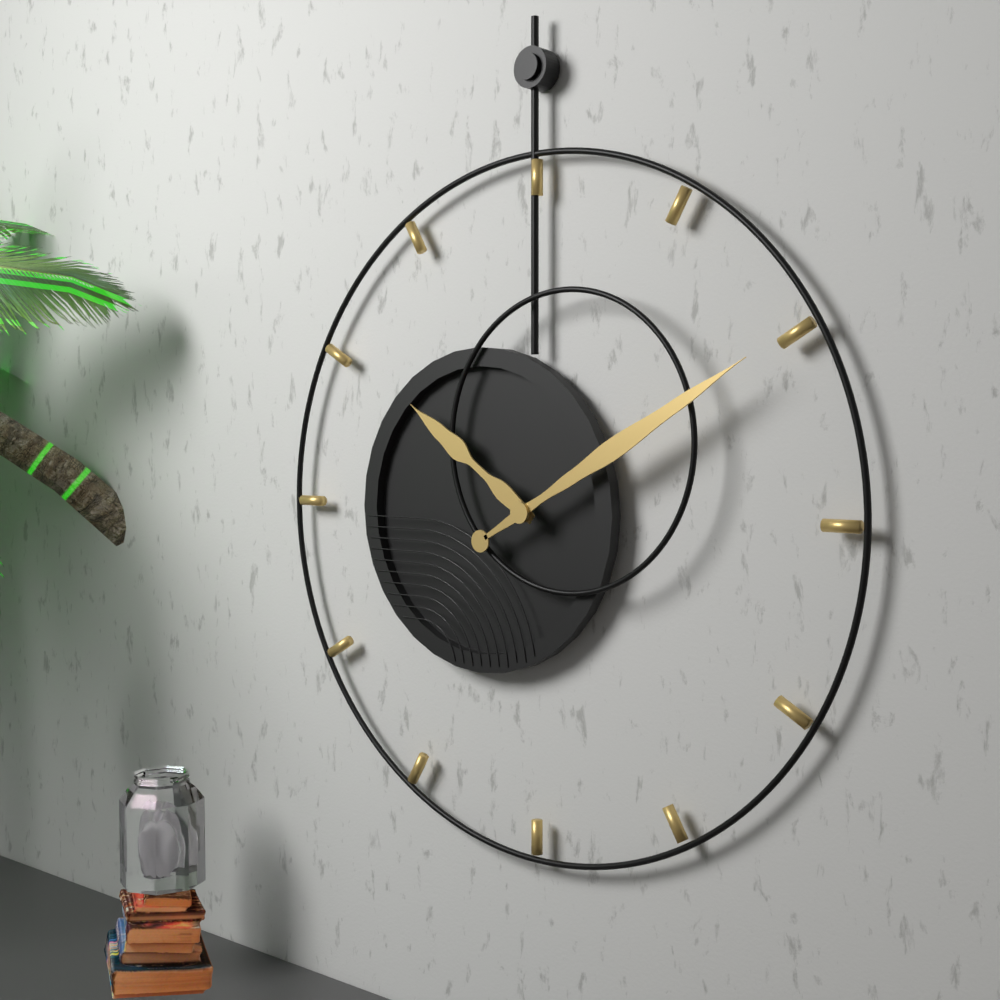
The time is h=10 m=10
